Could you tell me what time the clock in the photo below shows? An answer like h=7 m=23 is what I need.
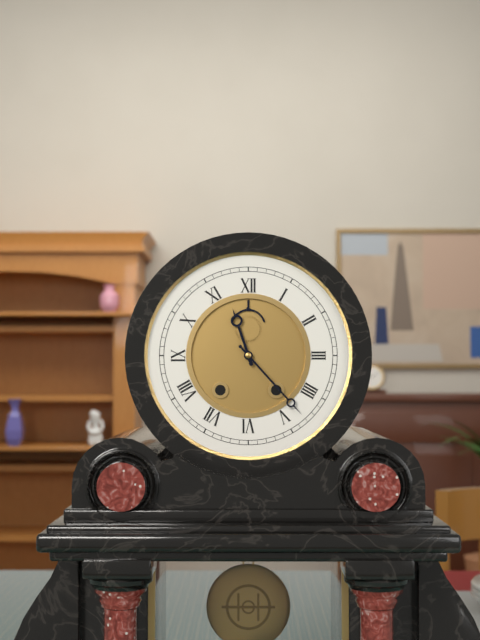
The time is h=11 m=23
